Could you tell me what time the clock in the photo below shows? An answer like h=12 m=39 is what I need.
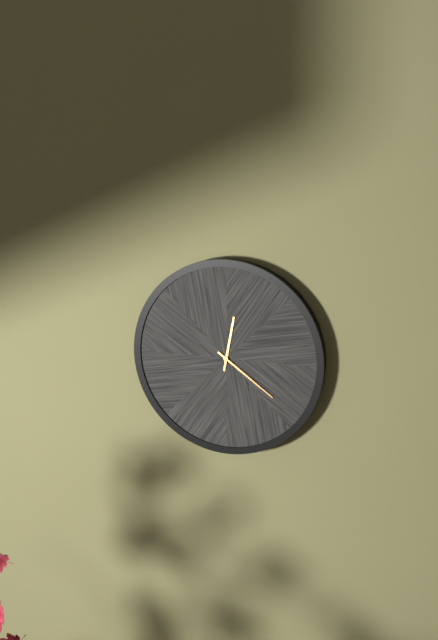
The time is h=12 m=21
